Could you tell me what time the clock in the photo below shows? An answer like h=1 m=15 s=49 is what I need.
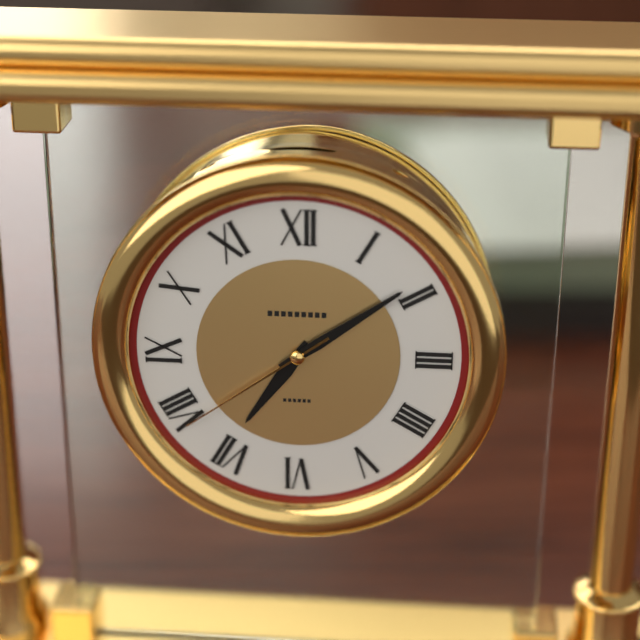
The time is h=7 m=9 s=39
